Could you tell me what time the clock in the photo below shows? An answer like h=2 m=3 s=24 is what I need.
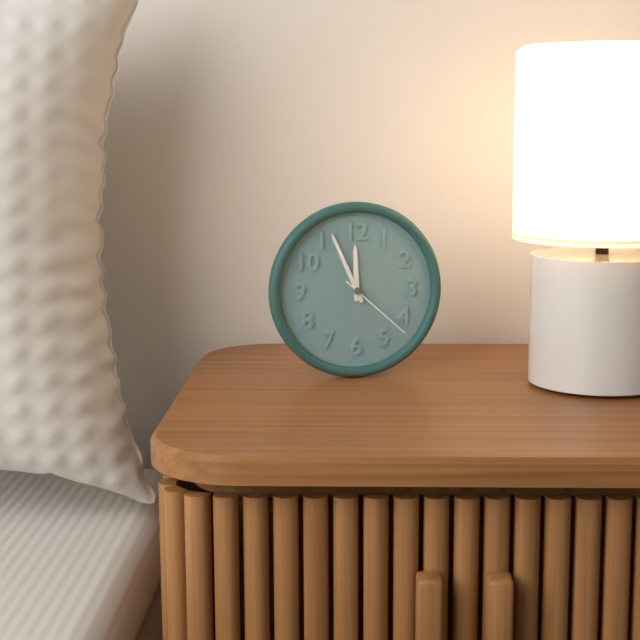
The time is h=11 m=56 s=22
